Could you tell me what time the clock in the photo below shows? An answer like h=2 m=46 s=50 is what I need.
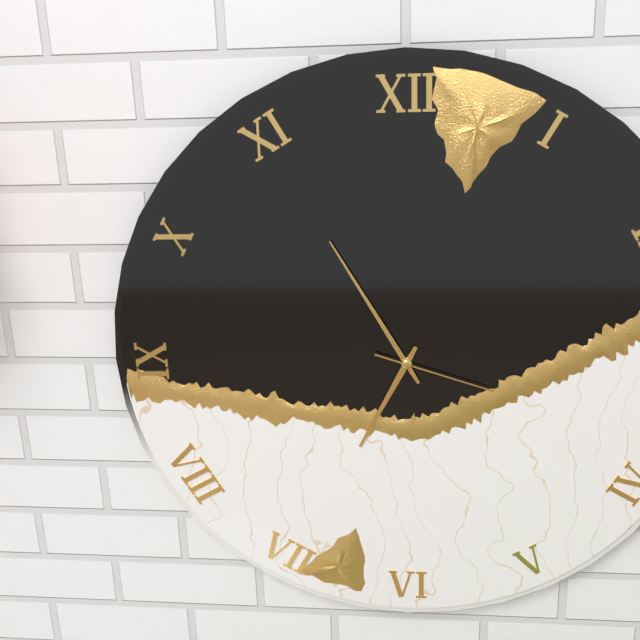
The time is h=6 m=55 s=18
